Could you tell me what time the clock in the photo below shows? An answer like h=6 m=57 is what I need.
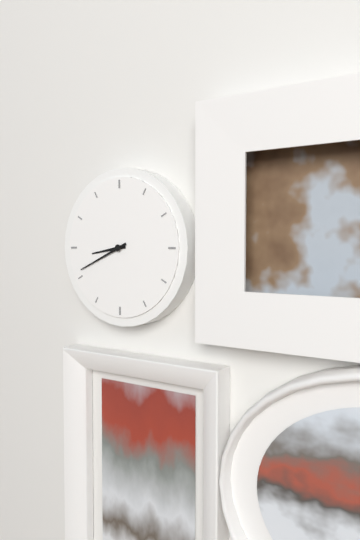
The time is h=8 m=41
